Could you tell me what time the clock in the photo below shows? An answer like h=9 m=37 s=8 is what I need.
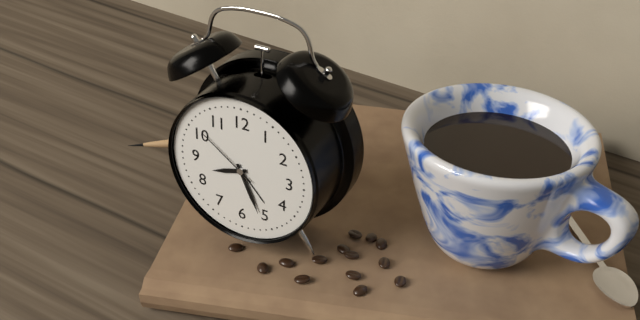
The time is h=8 m=26 s=51
